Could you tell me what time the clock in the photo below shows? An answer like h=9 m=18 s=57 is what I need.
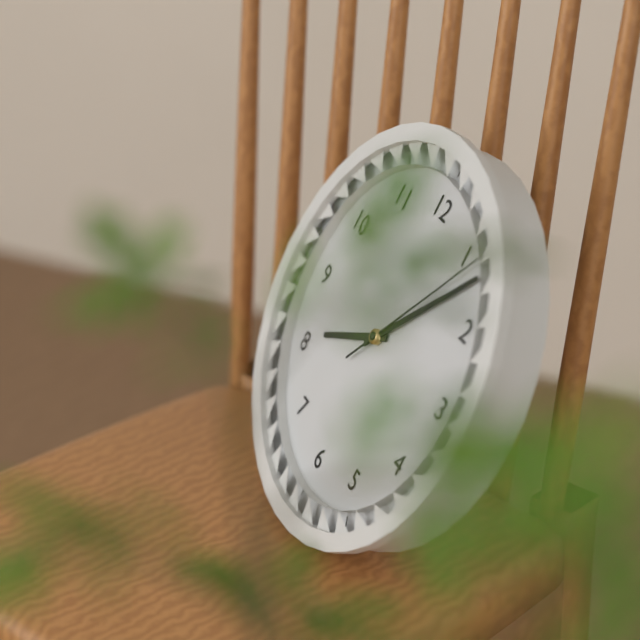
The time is h=8 m=7 s=6
